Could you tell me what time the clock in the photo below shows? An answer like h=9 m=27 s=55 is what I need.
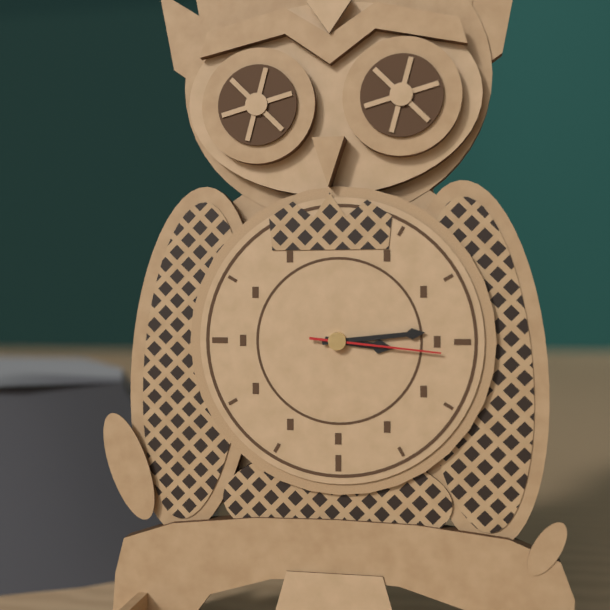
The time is h=3 m=14 s=16
